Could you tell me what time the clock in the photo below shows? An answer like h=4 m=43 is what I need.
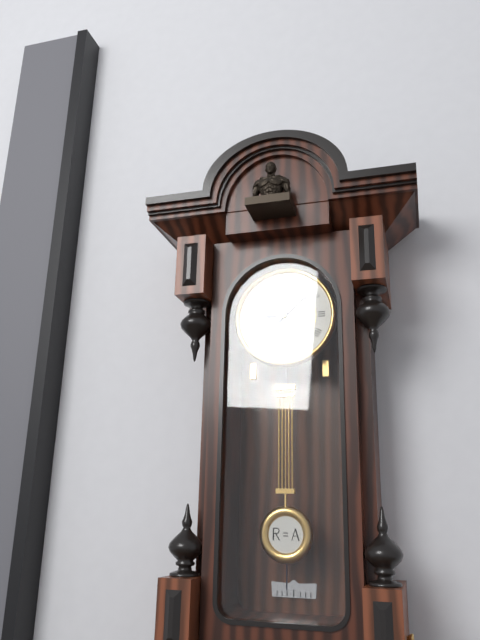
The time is h=9 m=8
